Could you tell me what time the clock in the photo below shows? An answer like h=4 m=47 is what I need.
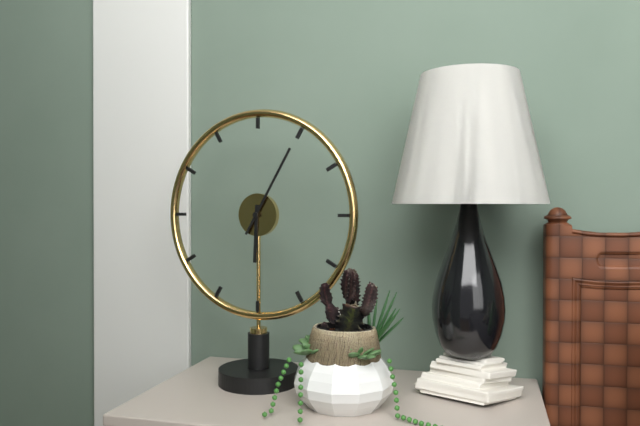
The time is h=6 m=5
